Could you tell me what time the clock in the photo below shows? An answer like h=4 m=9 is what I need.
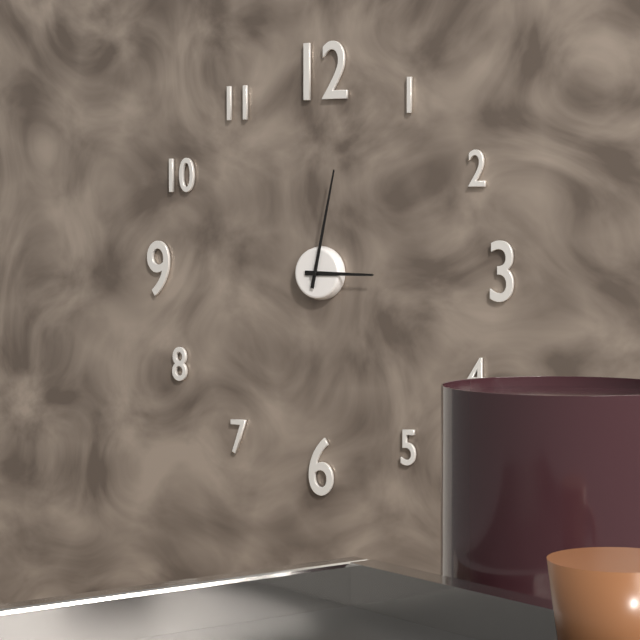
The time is h=3 m=2
